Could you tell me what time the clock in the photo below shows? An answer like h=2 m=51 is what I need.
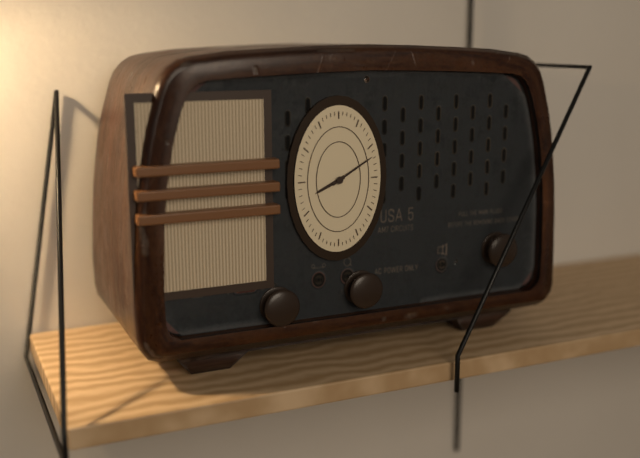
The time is h=8 m=10
